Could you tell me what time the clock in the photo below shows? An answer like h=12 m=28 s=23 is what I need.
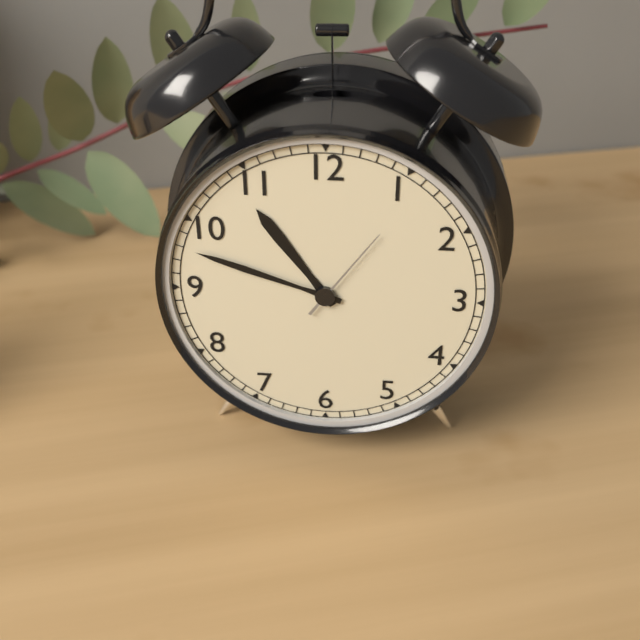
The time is h=10 m=48 s=6
